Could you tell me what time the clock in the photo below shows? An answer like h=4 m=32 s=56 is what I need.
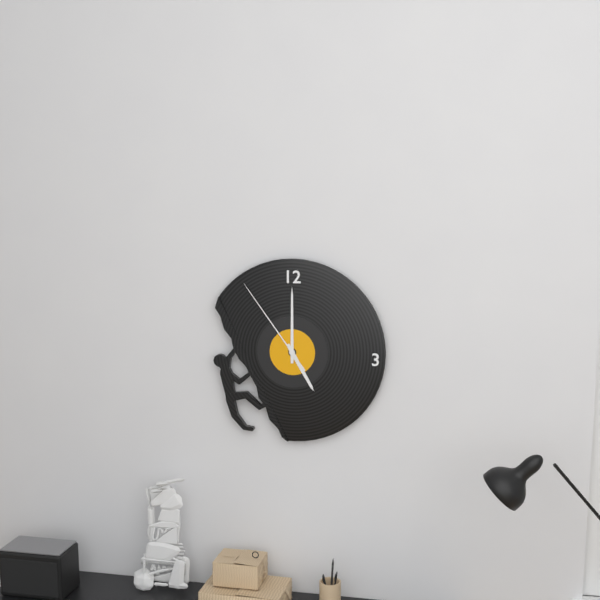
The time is h=5 m=0 s=54
